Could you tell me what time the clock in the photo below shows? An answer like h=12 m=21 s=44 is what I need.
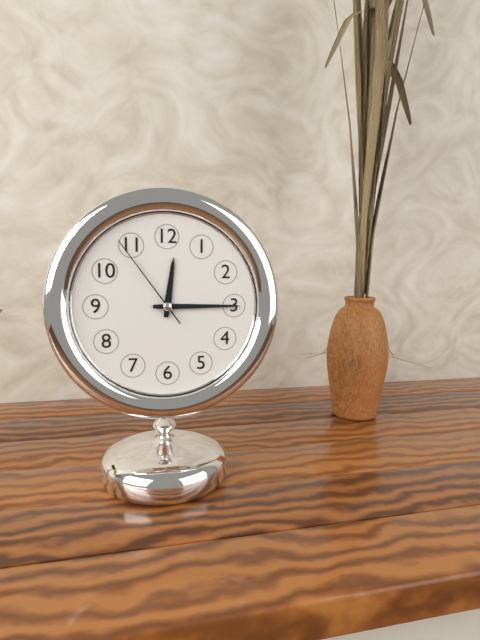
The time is h=12 m=15 s=54
